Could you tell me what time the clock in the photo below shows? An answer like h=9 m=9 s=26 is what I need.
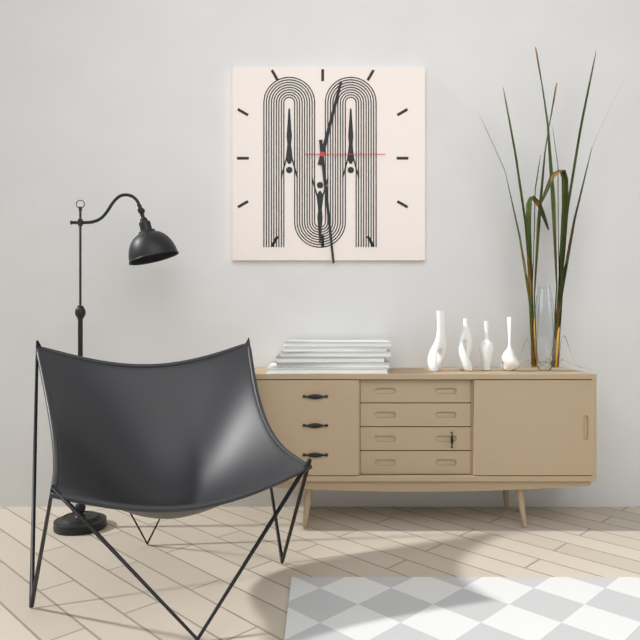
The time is h=12 m=29 s=15
